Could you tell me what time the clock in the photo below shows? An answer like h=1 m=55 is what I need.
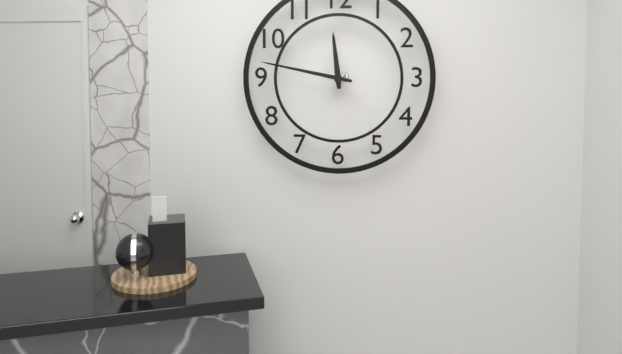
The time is h=11 m=47
